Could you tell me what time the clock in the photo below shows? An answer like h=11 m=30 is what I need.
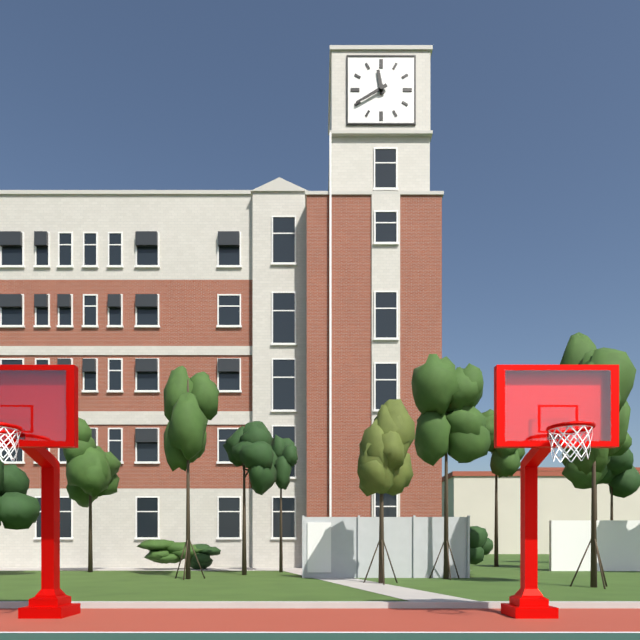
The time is h=11 m=40
